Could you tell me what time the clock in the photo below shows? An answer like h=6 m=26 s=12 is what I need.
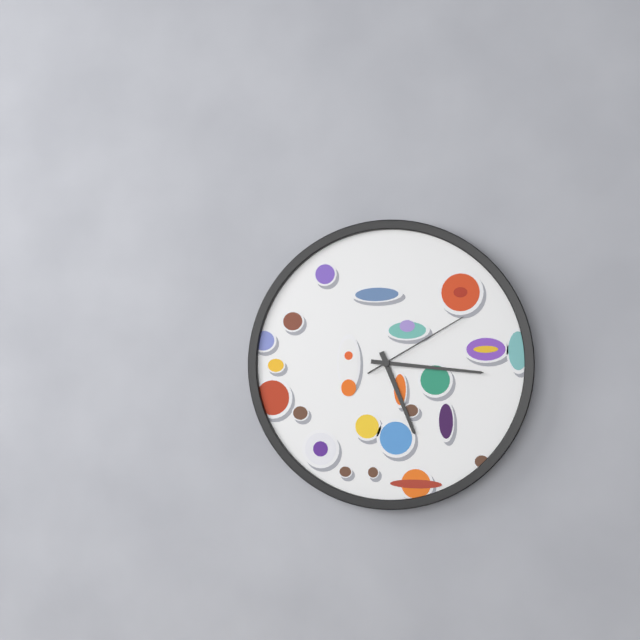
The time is h=5 m=16 s=10
